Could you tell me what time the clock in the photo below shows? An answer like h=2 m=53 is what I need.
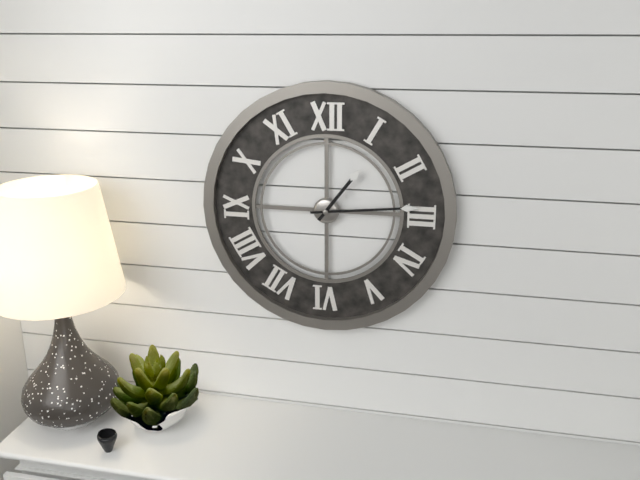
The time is h=1 m=14
